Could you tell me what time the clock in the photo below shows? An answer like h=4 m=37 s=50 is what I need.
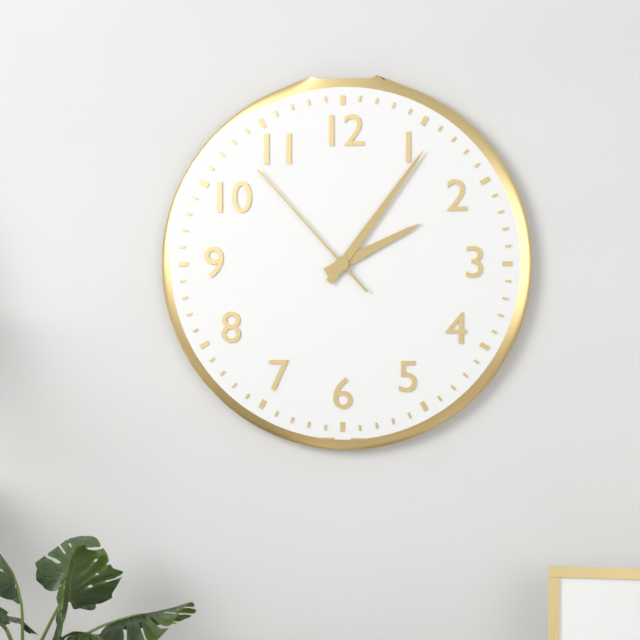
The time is h=2 m=6 s=53
